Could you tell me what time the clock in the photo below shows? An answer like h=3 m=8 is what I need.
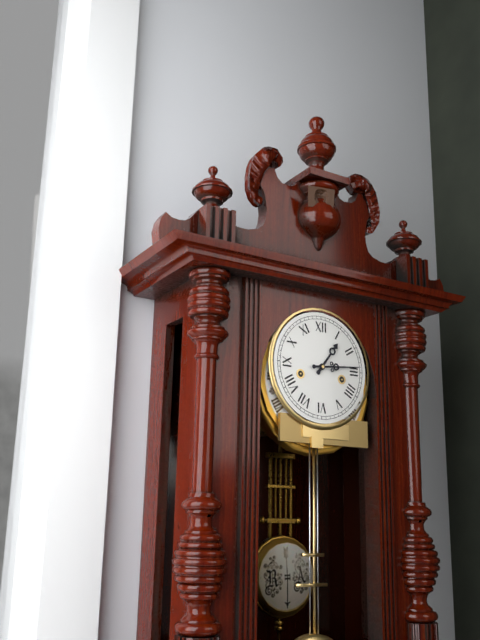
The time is h=1 m=14
